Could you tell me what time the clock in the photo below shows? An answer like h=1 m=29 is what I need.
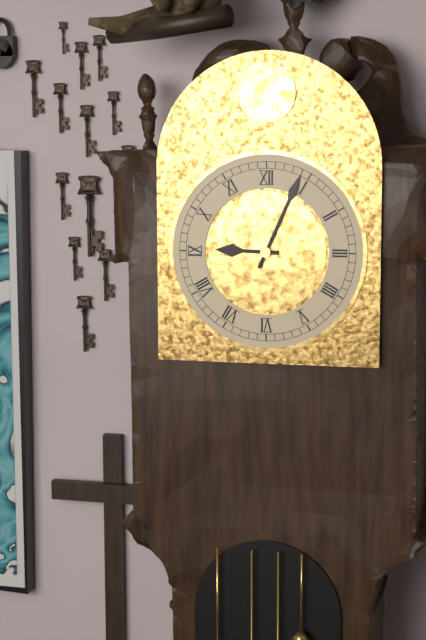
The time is h=9 m=4
